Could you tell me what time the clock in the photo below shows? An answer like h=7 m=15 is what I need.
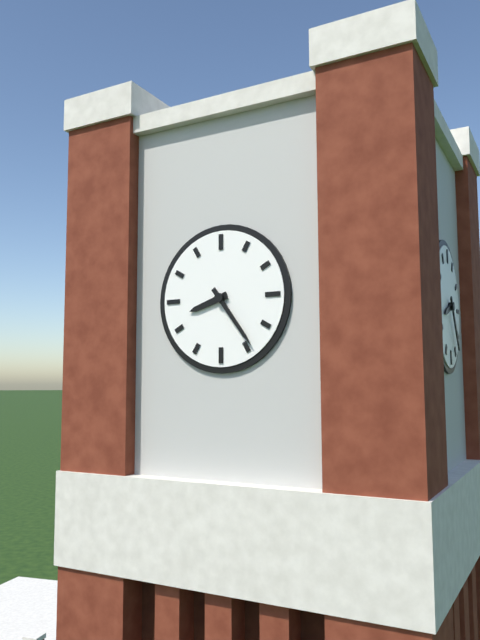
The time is h=8 m=24
